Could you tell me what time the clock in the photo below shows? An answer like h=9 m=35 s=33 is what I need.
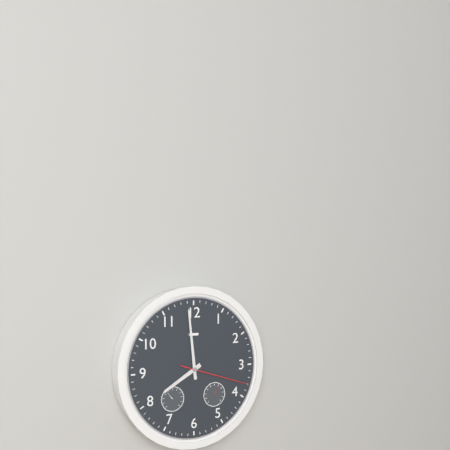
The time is h=7 m=59 s=18
